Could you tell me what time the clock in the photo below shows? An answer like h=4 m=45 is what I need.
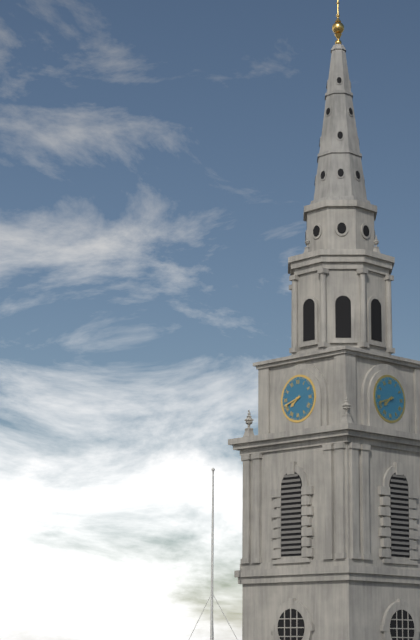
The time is h=7 m=42
